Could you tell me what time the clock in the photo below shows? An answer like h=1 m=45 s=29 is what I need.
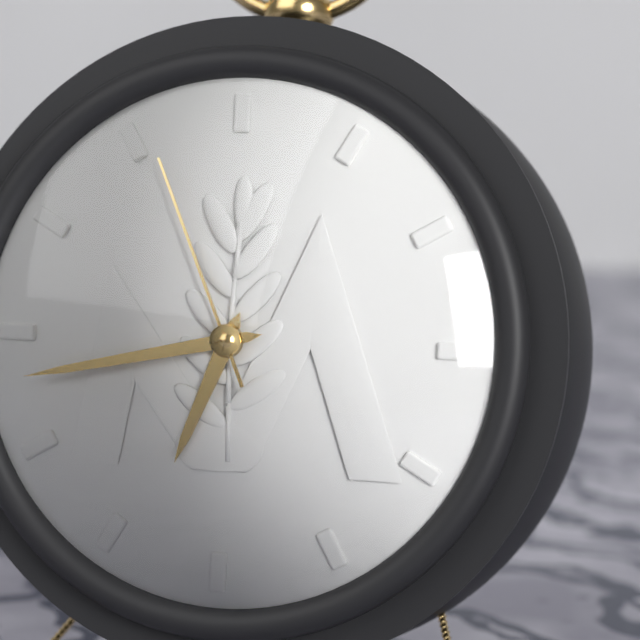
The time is h=6 m=43 s=56
